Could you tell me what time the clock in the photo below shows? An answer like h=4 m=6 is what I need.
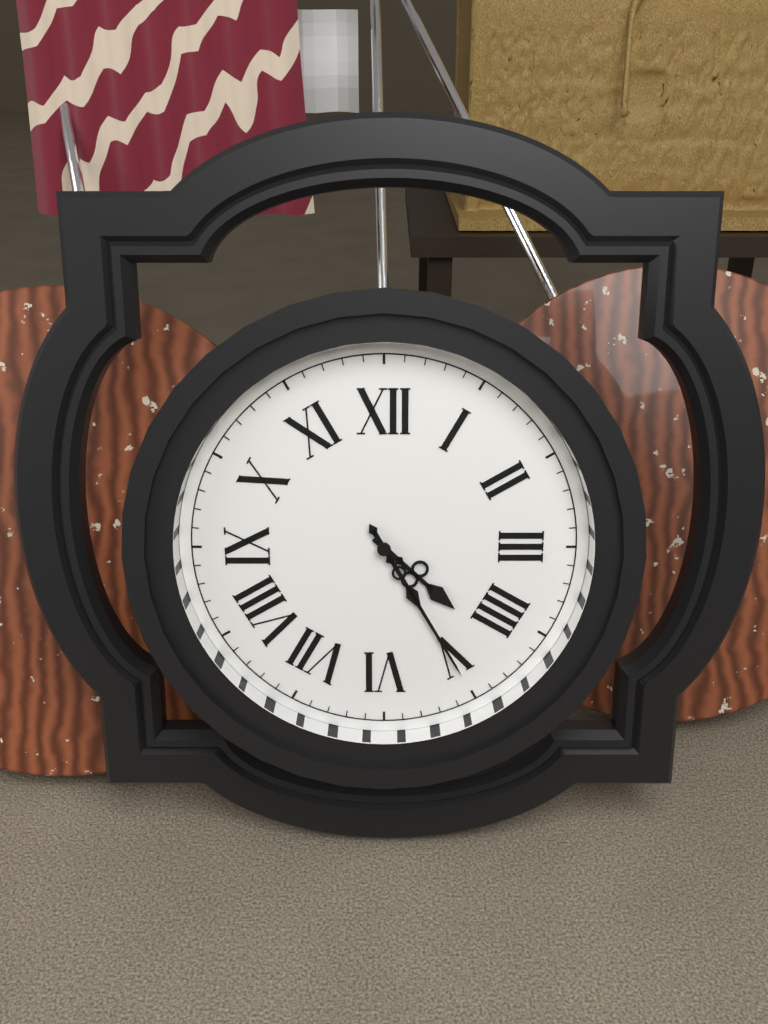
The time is h=4 m=25
